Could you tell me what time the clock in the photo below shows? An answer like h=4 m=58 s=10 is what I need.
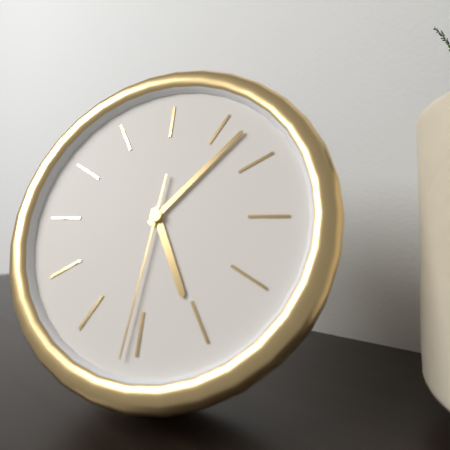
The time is h=5 m=7 s=31
